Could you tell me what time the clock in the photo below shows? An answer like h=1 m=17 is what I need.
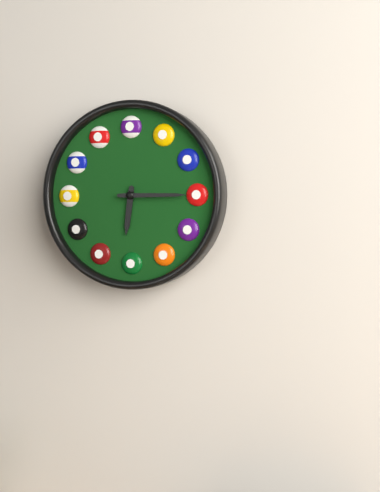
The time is h=6 m=15
